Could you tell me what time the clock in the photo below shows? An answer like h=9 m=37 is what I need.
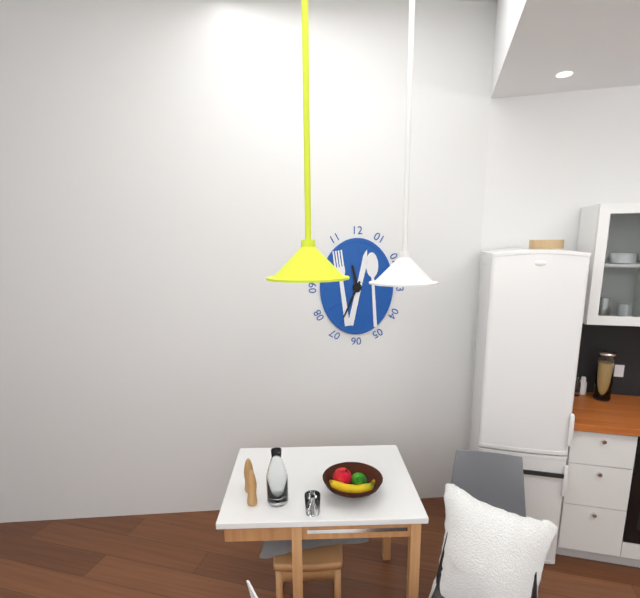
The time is h=11 m=34
